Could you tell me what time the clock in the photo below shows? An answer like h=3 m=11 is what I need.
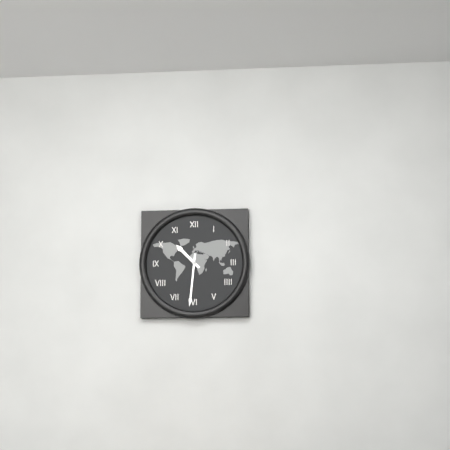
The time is h=10 m=31
